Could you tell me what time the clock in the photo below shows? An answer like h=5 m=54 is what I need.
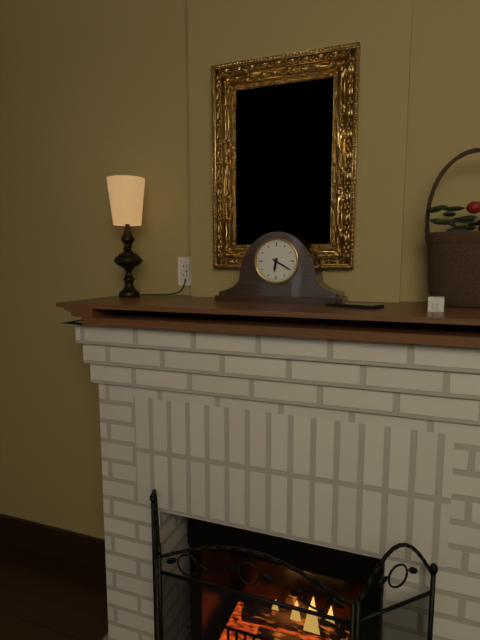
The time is h=6 m=20
